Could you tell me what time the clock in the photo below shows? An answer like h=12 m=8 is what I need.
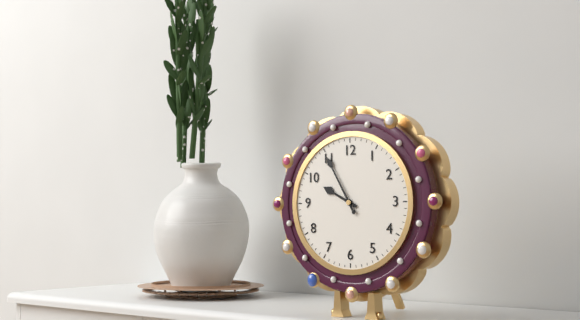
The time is h=9 m=55
